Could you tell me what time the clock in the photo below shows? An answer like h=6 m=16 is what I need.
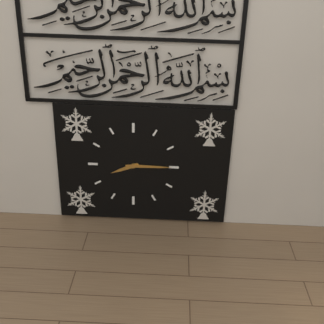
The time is h=8 m=15
